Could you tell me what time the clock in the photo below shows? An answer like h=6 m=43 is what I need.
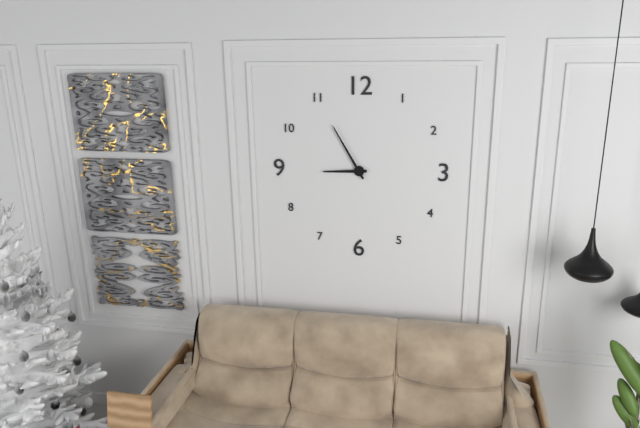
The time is h=8 m=55
